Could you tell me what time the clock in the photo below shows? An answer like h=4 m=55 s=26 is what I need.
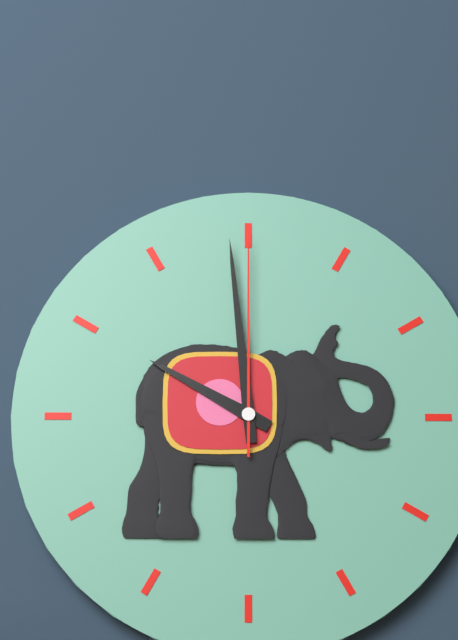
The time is h=9 m=59 s=0
